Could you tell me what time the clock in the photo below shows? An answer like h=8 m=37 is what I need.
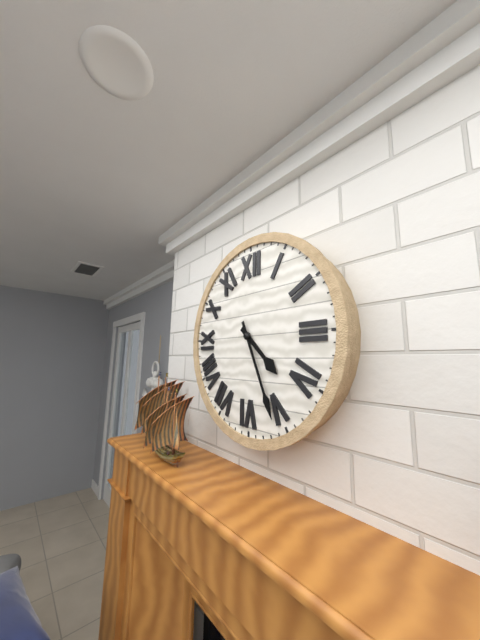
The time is h=4 m=26
